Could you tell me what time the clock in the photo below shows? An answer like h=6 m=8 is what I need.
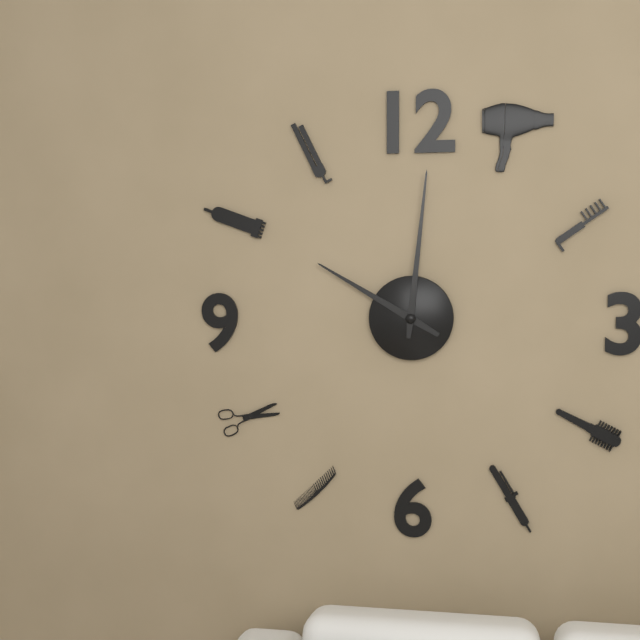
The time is h=10 m=1
